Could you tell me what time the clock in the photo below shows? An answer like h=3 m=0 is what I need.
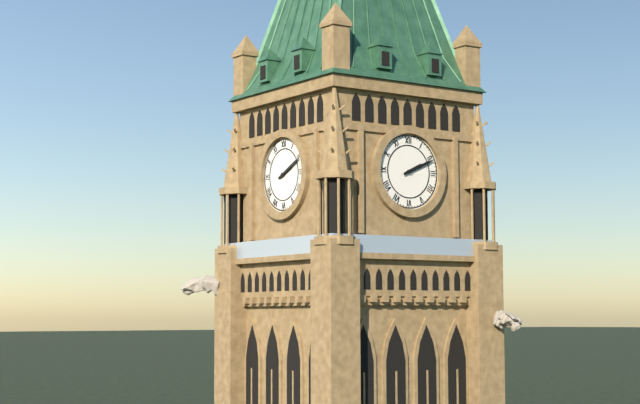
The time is h=2 m=11
